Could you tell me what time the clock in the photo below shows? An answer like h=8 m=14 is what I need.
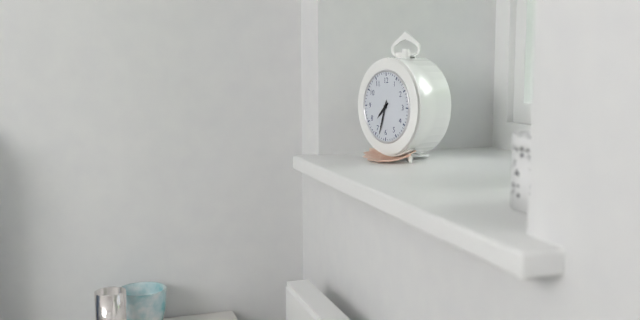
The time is h=7 m=33
